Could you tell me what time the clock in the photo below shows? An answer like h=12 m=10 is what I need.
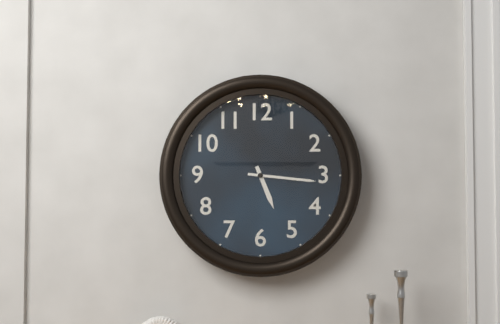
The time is h=5 m=16
